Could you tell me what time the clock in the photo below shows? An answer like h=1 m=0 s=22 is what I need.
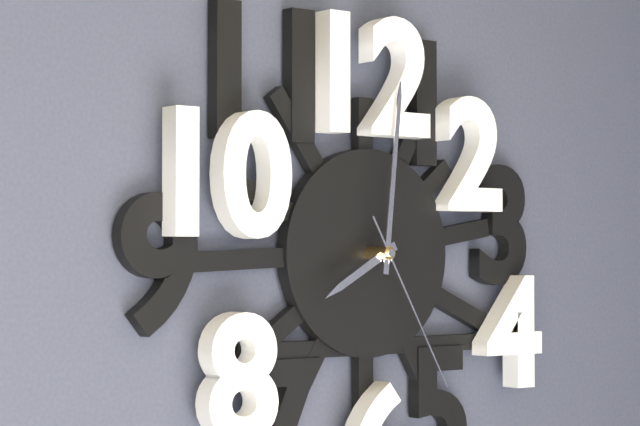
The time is h=8 m=1 s=25
